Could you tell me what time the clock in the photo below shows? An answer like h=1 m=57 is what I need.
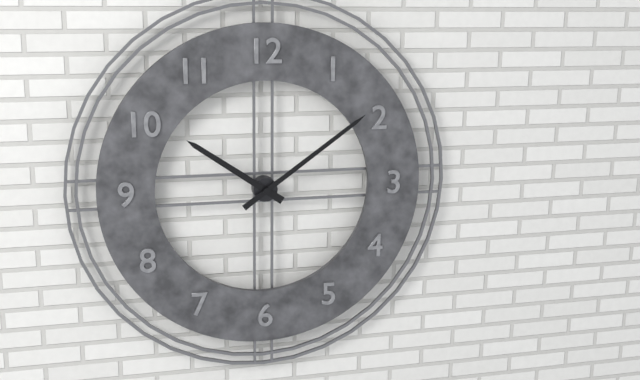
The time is h=10 m=9
